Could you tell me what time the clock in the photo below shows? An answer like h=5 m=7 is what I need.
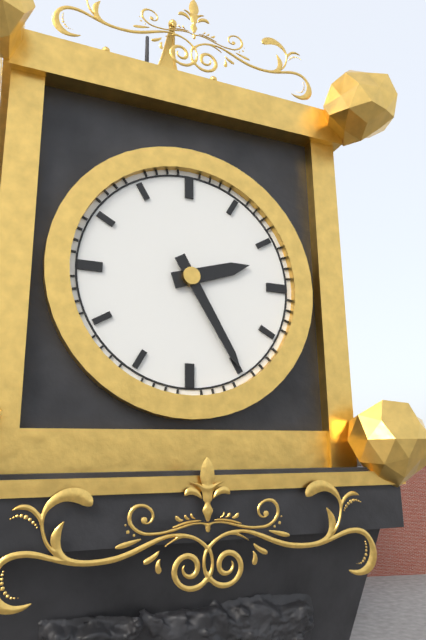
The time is h=2 m=25
